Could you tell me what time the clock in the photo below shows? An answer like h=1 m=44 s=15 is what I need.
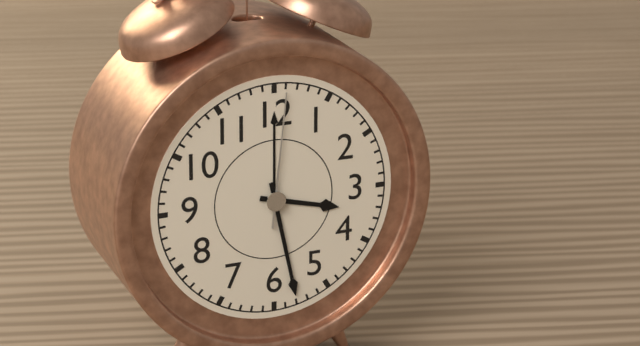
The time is h=3 m=28 s=1
